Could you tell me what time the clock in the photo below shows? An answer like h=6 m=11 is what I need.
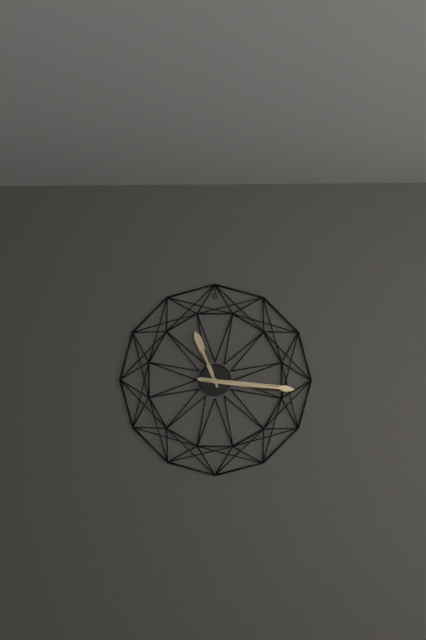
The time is h=11 m=16
